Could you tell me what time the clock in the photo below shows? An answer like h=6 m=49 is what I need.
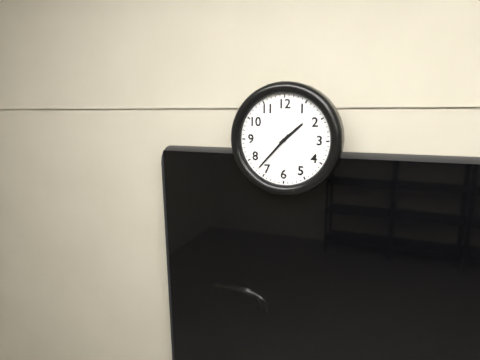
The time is h=1 m=37
